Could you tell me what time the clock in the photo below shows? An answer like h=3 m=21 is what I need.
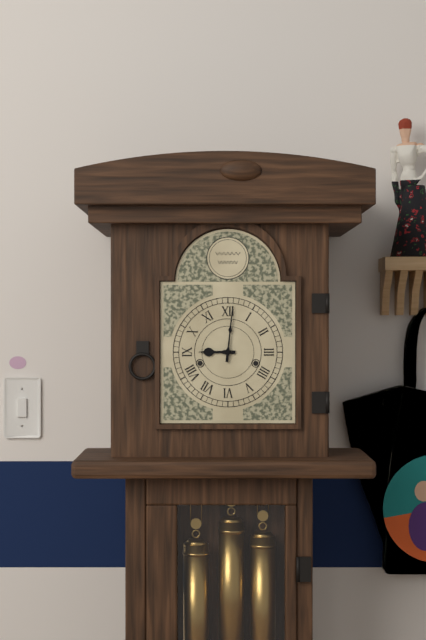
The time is h=9 m=1
